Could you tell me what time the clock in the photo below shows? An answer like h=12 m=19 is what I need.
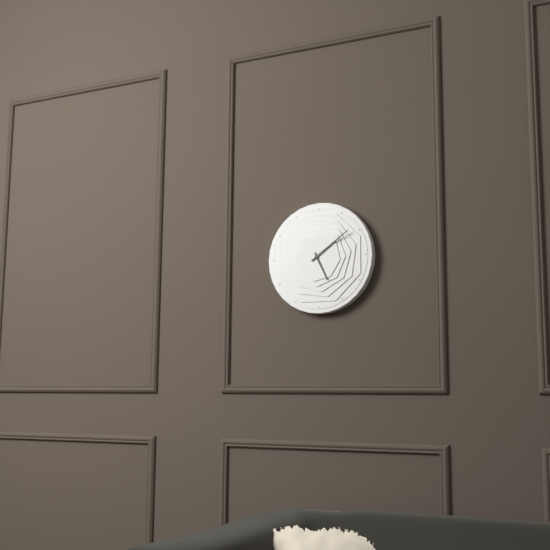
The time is h=5 m=9
